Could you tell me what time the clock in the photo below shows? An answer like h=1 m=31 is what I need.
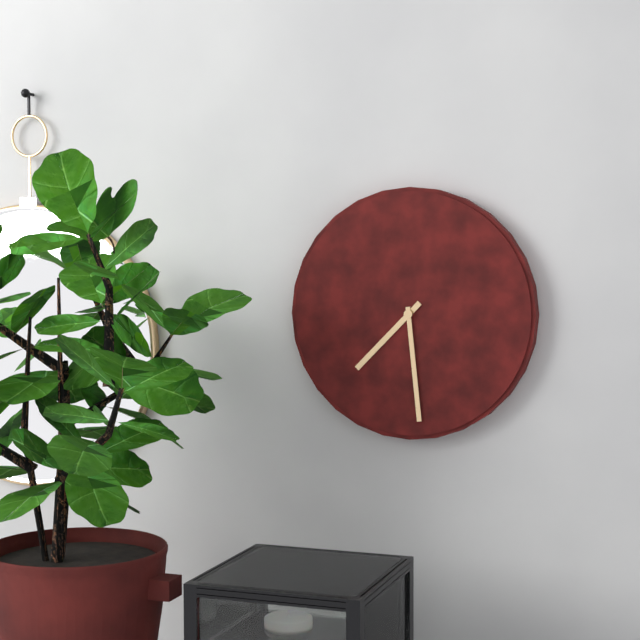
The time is h=7 m=29
